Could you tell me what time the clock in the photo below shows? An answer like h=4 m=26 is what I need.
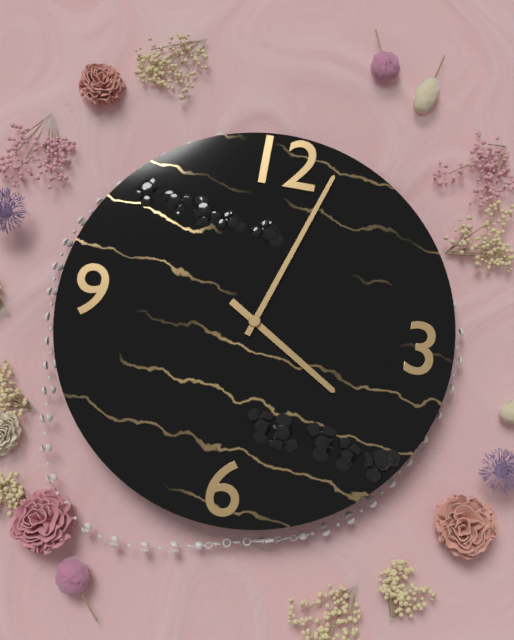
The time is h=4 m=3
